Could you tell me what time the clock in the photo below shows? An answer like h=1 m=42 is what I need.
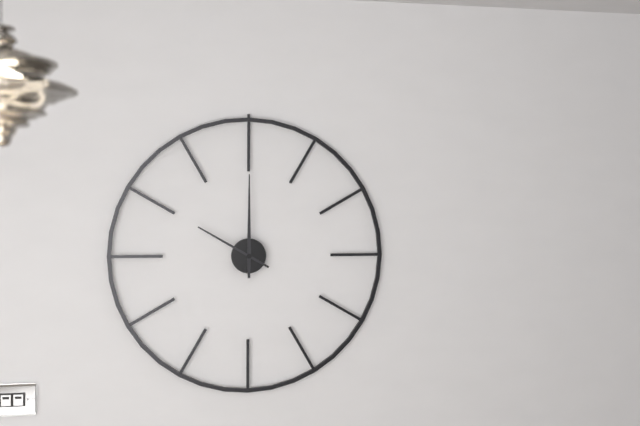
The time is h=10 m=0
